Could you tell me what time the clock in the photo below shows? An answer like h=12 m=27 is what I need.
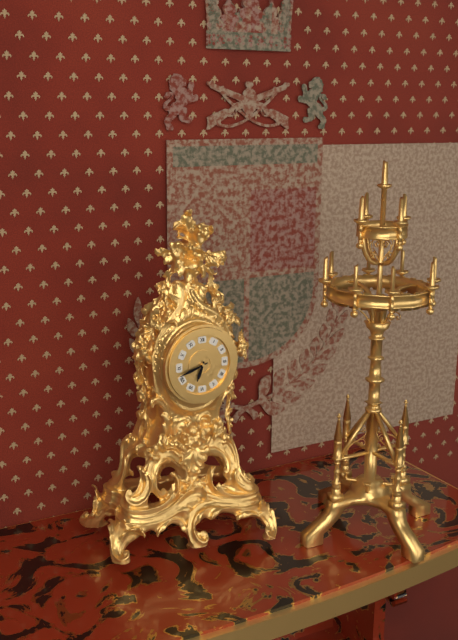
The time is h=6 m=42
